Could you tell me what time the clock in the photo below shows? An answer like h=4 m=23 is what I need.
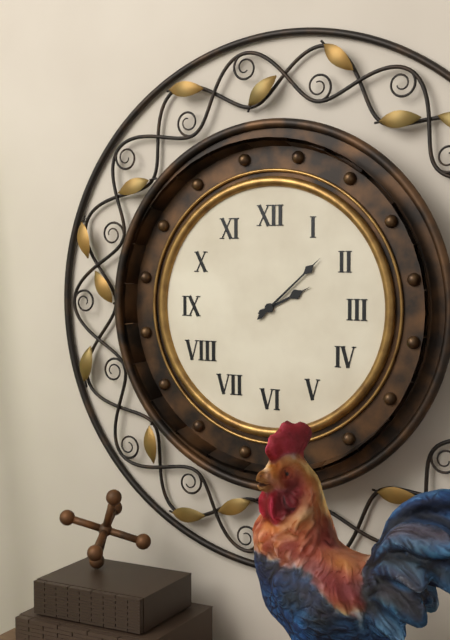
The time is h=2 m=8
